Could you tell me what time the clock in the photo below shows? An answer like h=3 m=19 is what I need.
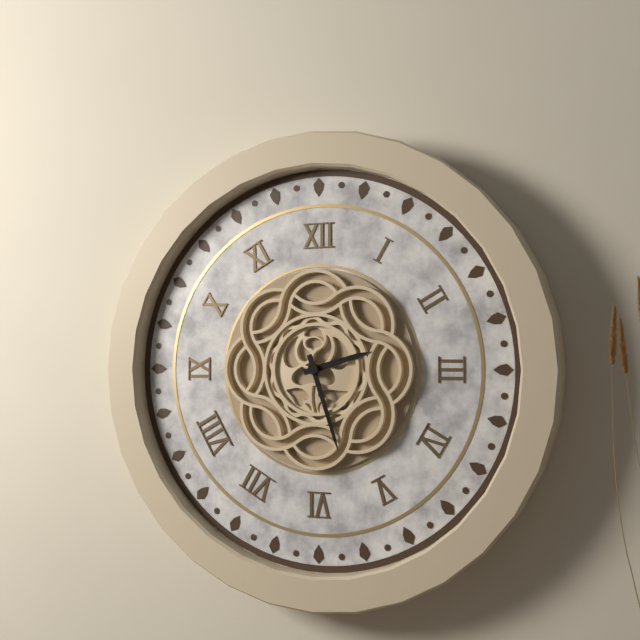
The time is h=2 m=27
